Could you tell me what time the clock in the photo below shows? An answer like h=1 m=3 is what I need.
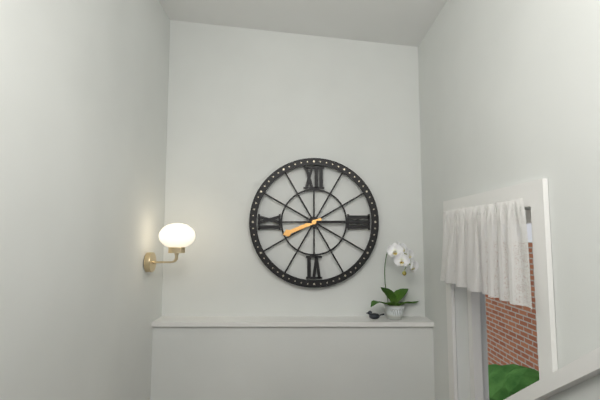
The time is h=8 m=15
